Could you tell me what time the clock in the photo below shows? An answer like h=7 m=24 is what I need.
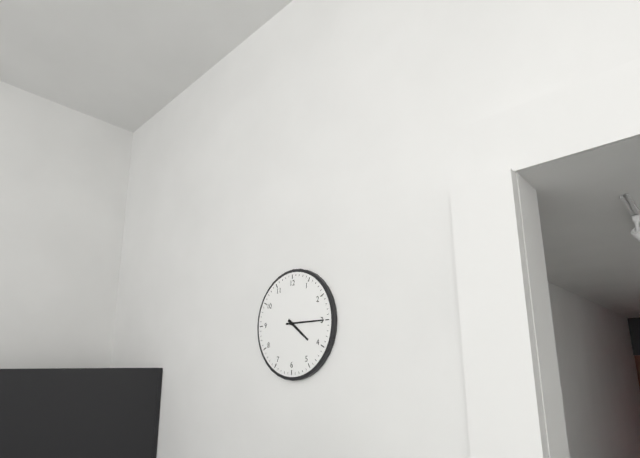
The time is h=4 m=15
